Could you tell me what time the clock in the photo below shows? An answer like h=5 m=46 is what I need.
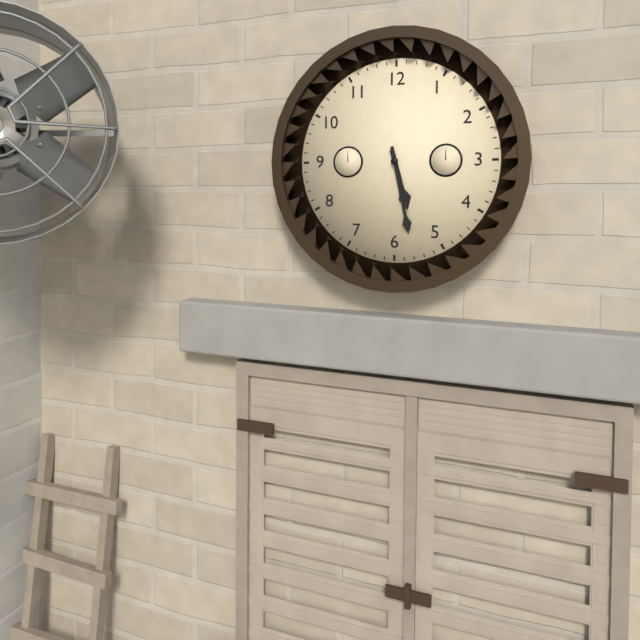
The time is h=5 m=28
